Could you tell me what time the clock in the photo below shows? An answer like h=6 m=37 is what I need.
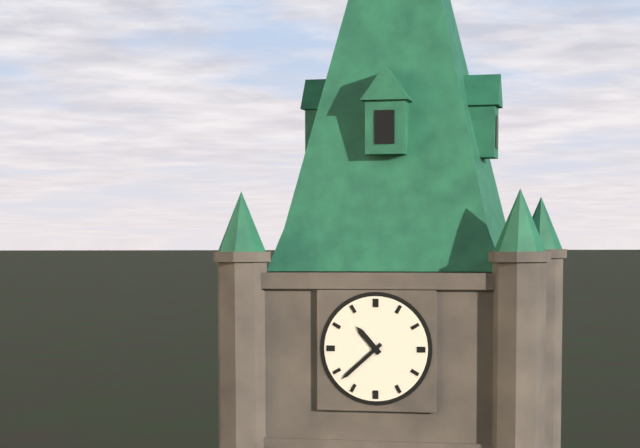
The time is h=10 m=38
